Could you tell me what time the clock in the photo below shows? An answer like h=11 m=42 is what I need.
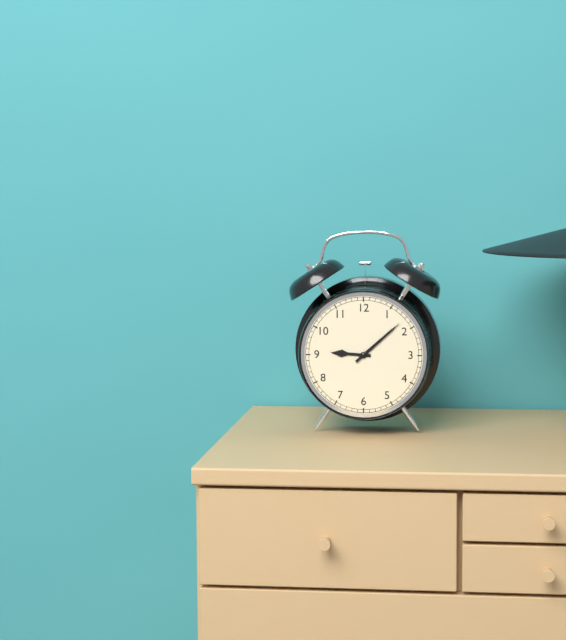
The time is h=9 m=8
